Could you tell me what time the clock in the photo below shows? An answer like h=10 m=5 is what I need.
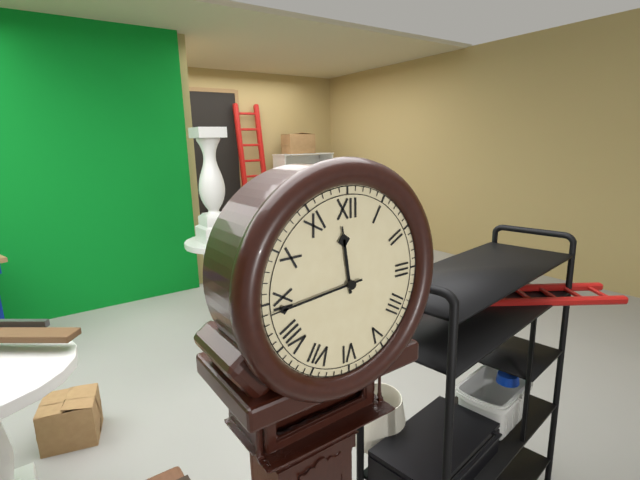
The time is h=11 m=44
